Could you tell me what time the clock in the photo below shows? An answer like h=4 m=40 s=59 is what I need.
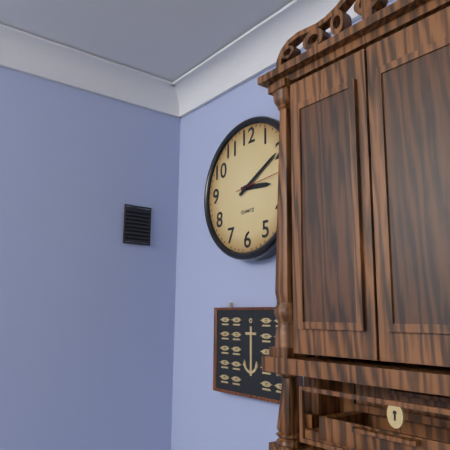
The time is h=3 m=10 s=14
